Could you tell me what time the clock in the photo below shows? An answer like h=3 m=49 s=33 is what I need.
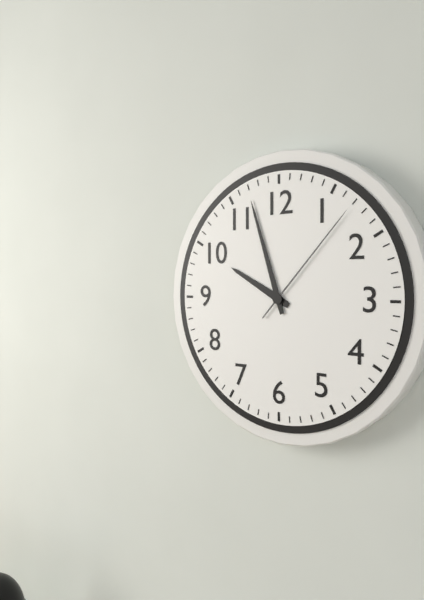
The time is h=9 m=57 s=7
